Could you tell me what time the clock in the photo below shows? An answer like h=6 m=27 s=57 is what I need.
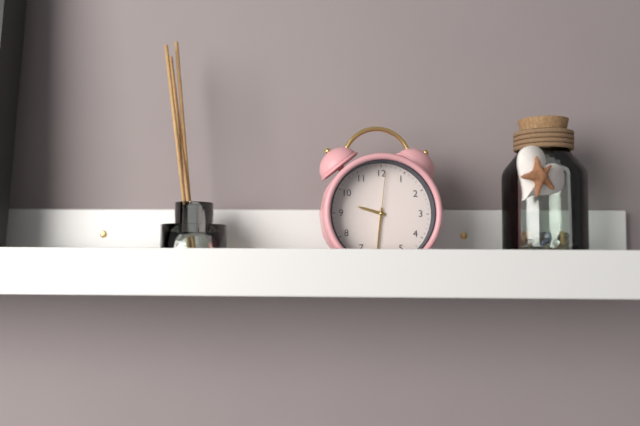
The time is h=9 m=31 s=1
